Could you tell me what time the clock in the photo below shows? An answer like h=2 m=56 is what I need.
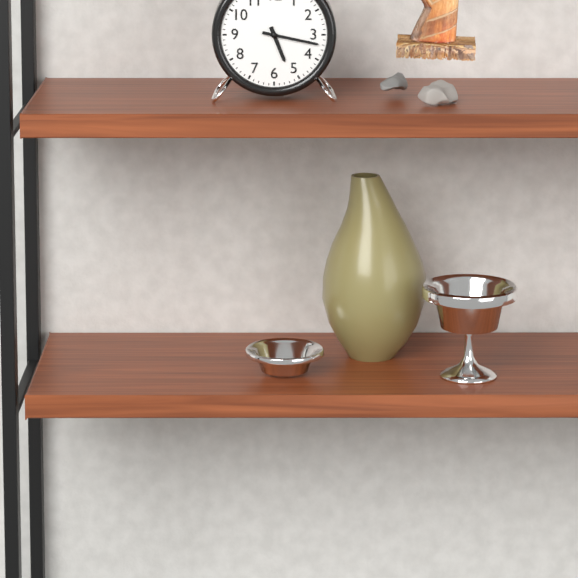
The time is h=5 m=17
